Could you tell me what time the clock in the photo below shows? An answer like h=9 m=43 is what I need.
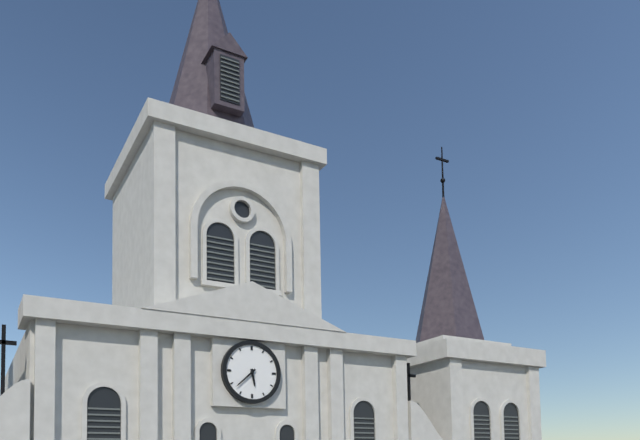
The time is h=5 m=38
